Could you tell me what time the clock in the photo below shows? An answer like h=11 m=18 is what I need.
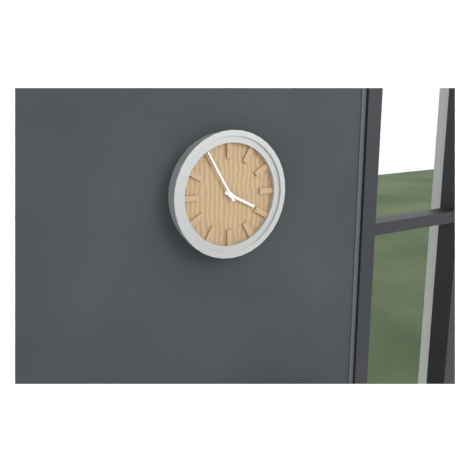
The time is h=3 m=55
